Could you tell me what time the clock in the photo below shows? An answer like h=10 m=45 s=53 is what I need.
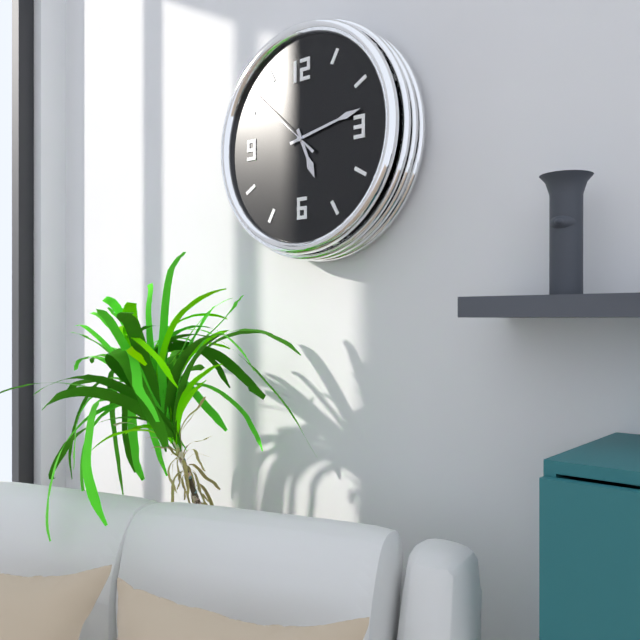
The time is h=5 m=13 s=52
